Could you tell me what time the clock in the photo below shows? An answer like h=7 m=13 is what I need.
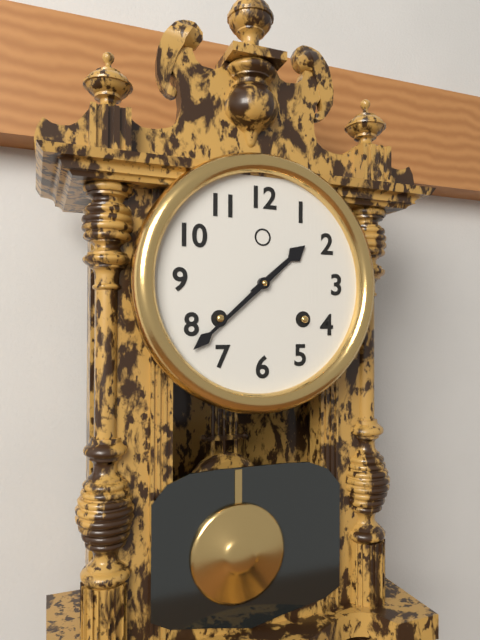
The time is h=1 m=38
